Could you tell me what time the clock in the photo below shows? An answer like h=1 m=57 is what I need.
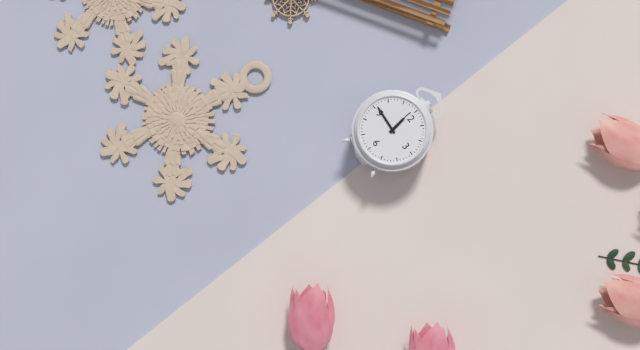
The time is h=11 m=46
